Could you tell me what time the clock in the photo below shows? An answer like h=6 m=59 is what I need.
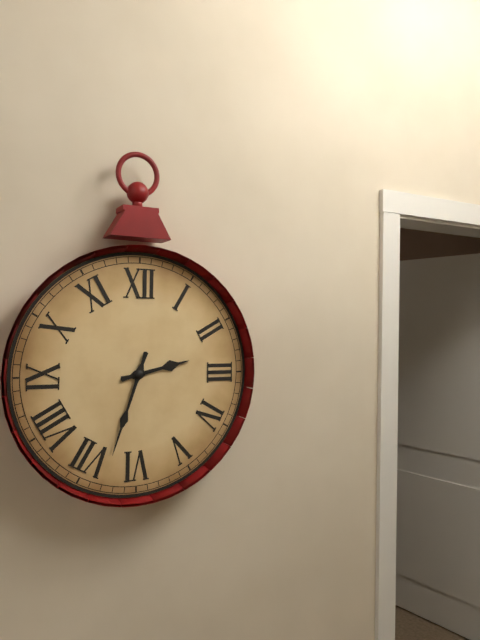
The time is h=2 m=33
